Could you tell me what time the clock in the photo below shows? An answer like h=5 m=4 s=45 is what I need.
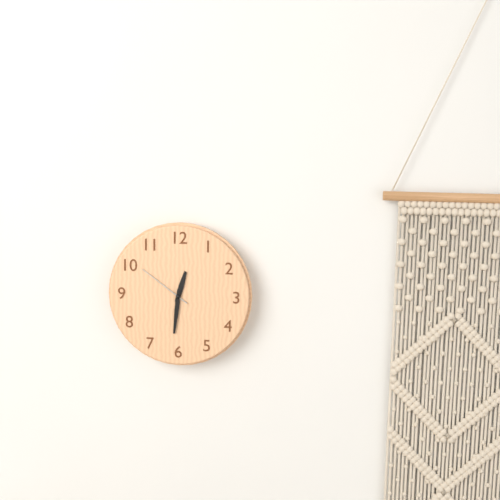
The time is h=12 m=31 s=51
